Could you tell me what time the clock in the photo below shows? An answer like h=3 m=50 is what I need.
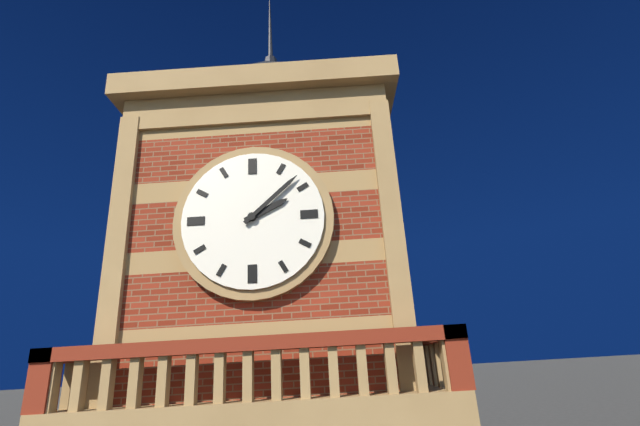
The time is h=2 m=8
